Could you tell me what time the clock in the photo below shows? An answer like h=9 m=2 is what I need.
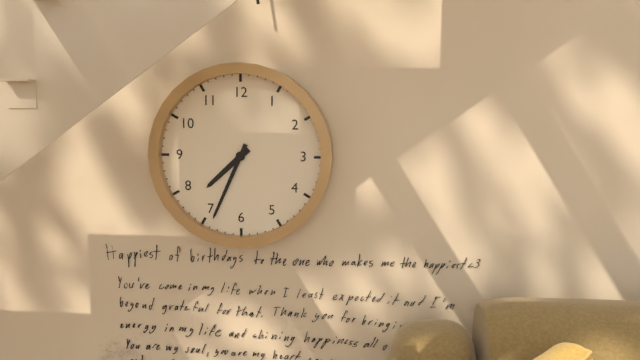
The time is h=7 m=34
